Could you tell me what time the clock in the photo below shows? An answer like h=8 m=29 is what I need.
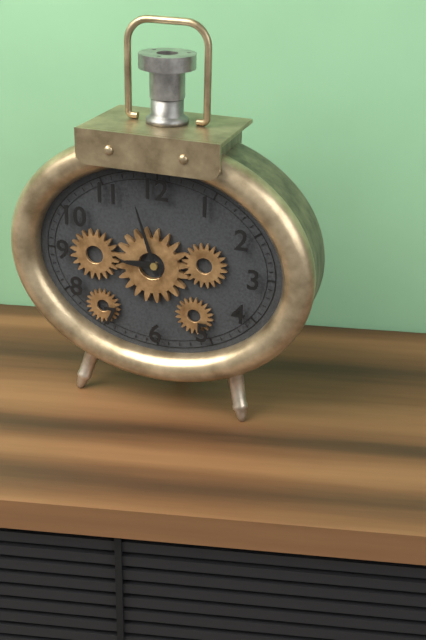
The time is h=8 m=57
